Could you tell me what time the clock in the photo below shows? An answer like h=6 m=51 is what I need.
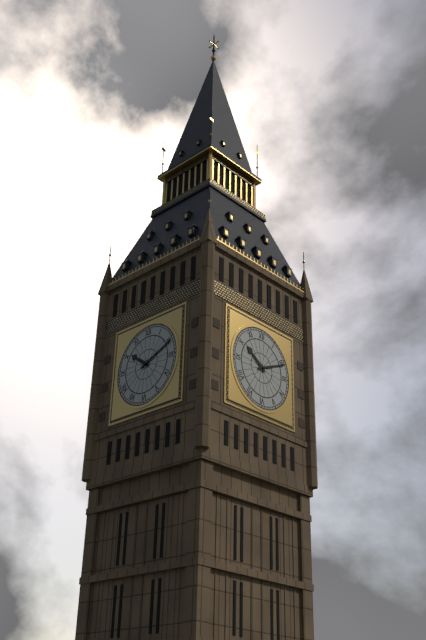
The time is h=10 m=11
